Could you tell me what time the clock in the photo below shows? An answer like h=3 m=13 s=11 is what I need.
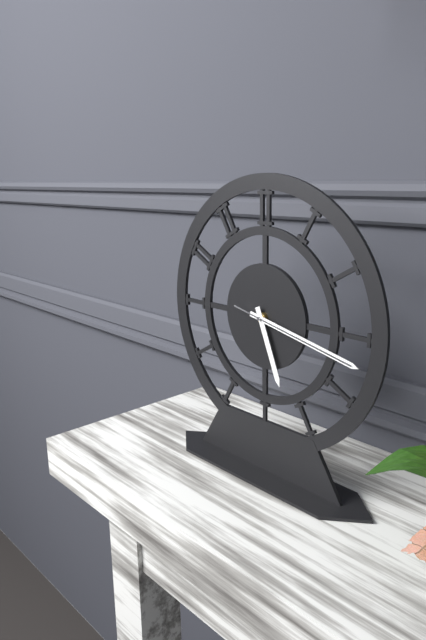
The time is h=5 m=17 s=17
